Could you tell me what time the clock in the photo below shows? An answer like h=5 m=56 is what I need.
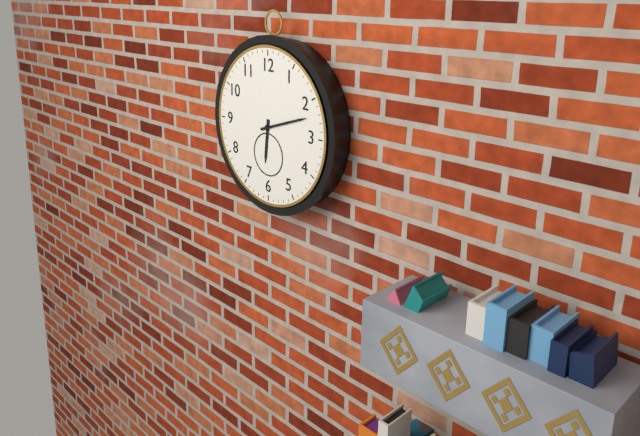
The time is h=6 m=12
